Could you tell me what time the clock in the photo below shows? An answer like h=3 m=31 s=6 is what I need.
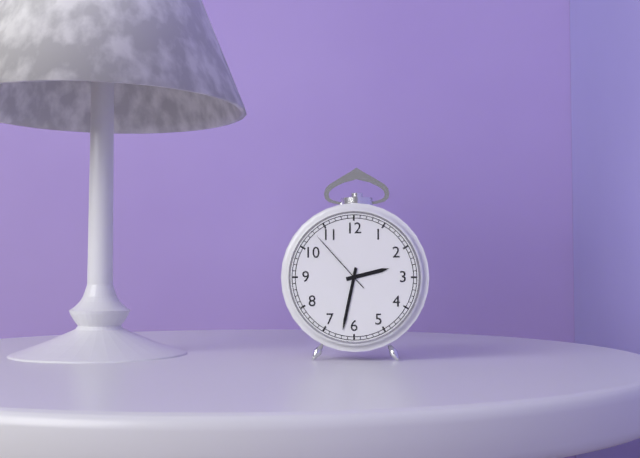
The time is h=2 m=32 s=53
